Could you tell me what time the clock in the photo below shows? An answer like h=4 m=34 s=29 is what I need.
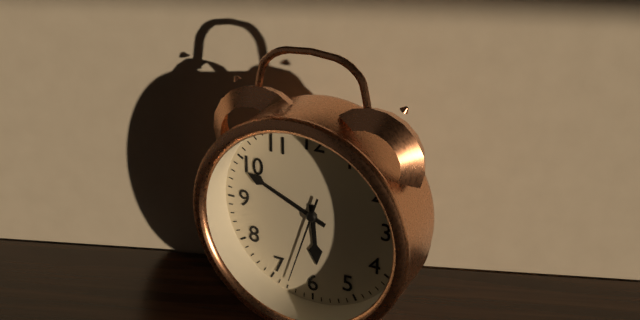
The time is h=5 m=49 s=33
